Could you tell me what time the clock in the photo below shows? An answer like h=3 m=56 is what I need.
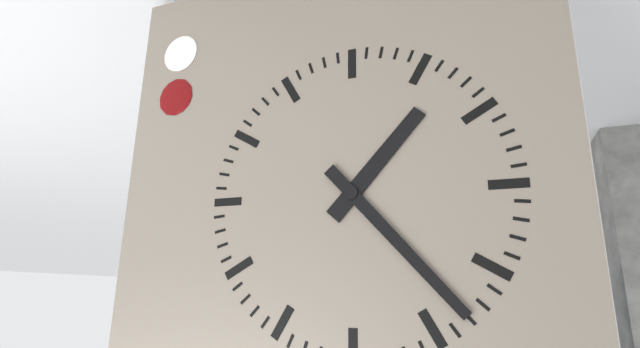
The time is h=1 m=23
